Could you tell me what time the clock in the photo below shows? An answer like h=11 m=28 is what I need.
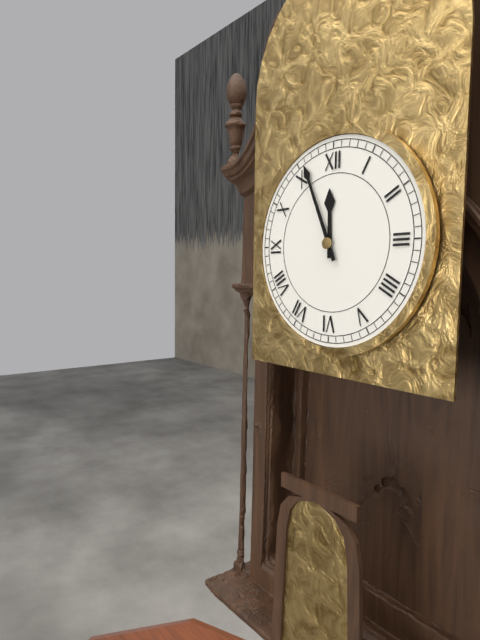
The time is h=11 m=56
